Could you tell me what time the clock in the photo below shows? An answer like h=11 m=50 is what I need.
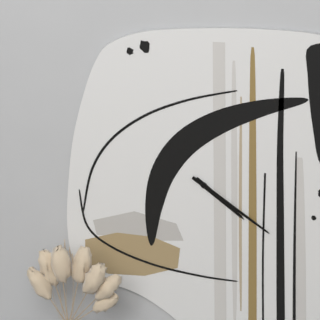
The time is h=4 m=21
